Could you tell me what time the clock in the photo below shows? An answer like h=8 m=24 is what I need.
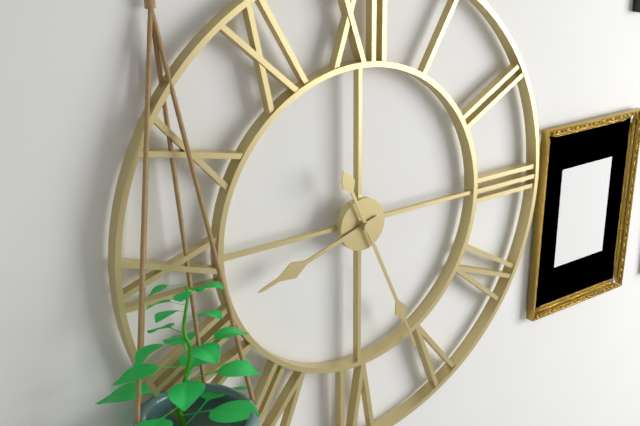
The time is h=8 m=26
